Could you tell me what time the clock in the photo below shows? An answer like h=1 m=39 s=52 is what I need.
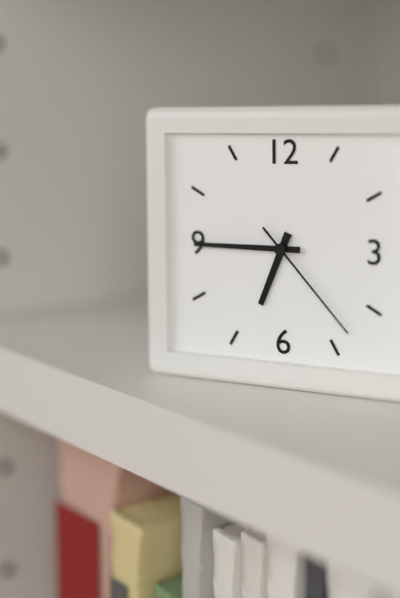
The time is h=6 m=45 s=23
